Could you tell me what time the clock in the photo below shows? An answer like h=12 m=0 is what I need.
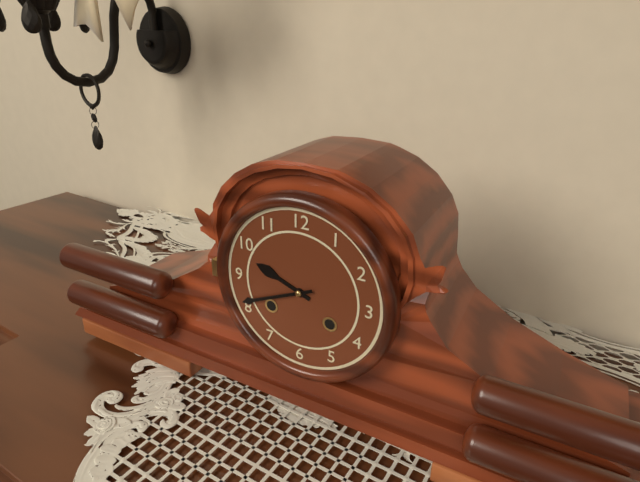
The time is h=9 m=41
